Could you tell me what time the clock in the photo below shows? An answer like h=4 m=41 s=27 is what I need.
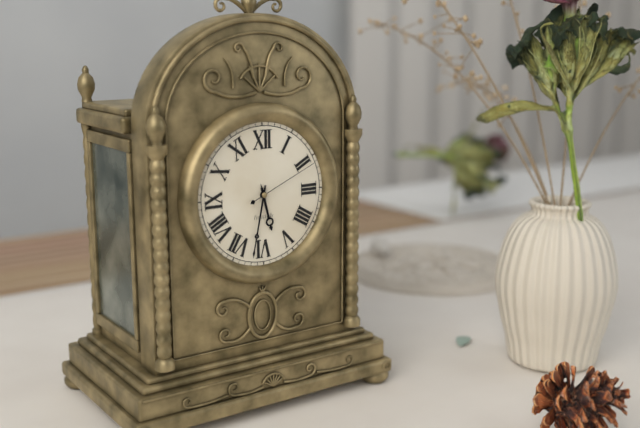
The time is h=5 m=32 s=11
